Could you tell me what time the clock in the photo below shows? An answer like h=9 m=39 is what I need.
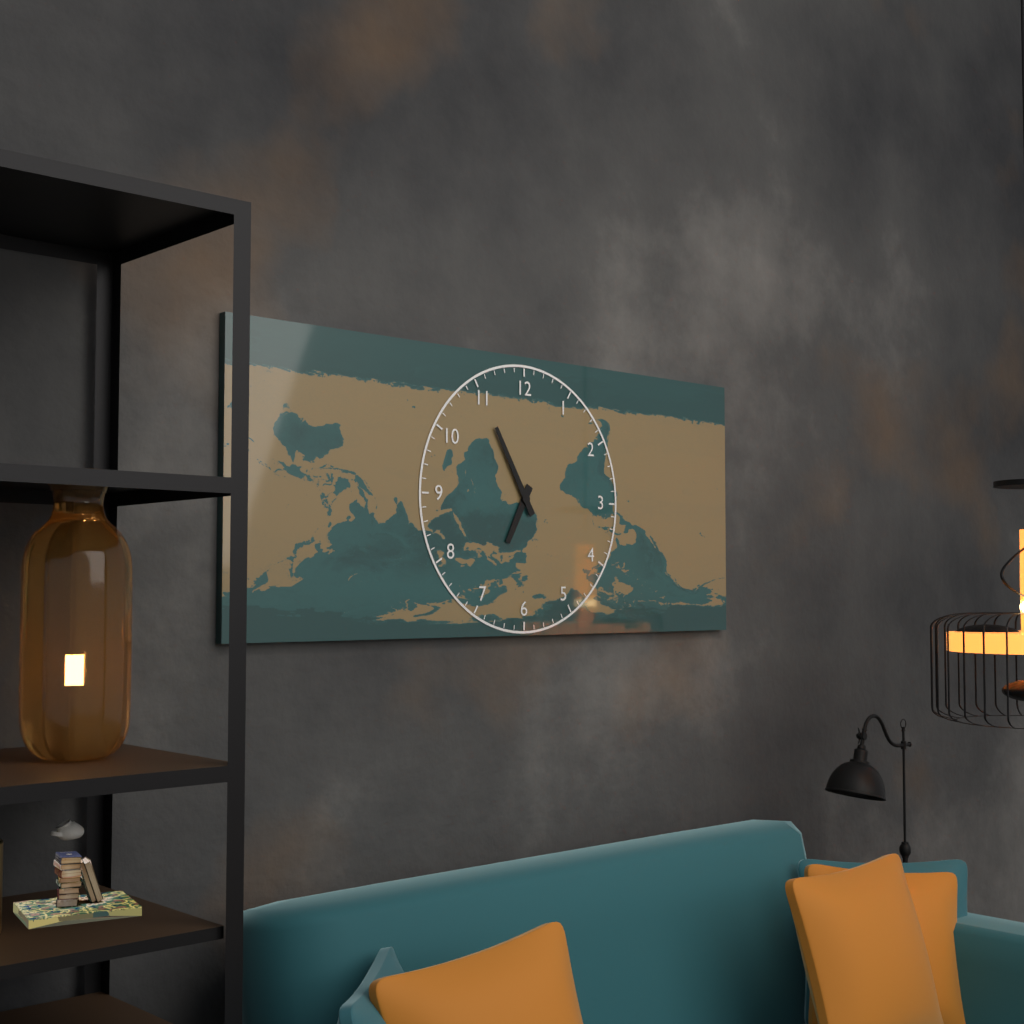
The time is h=6 m=55
